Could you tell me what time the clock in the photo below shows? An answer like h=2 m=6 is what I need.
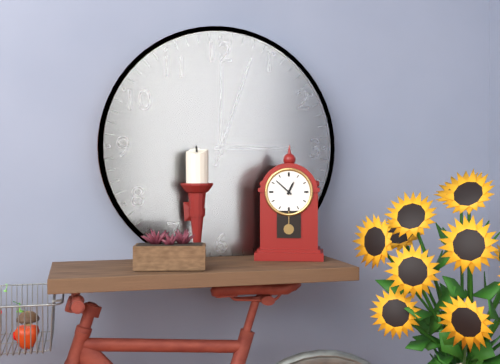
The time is h=12 m=52
